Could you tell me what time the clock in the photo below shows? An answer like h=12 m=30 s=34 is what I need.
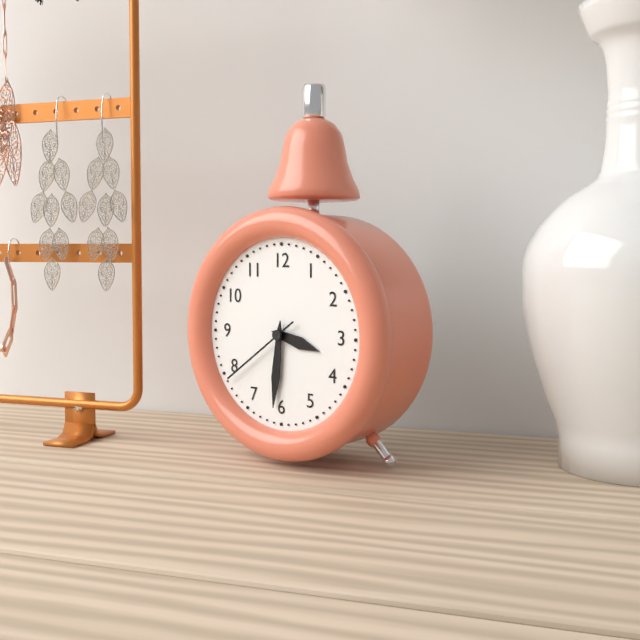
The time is h=3 m=31 s=39
